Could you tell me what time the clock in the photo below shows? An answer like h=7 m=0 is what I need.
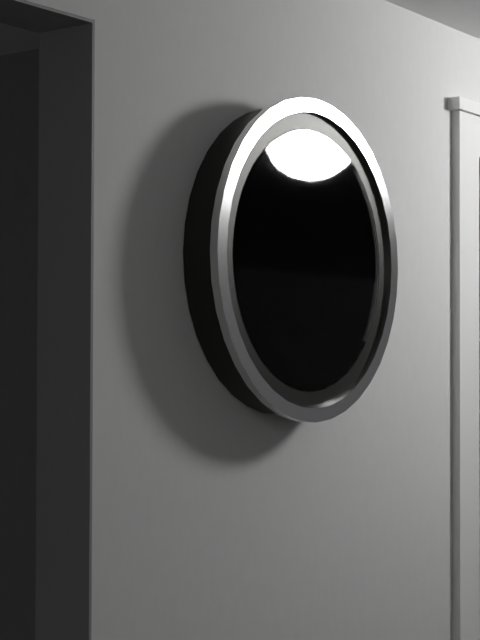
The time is h=9 m=26
